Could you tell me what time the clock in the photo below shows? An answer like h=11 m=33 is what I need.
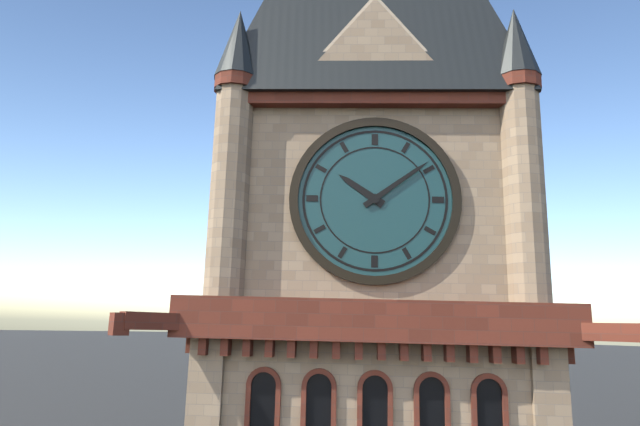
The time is h=10 m=9
